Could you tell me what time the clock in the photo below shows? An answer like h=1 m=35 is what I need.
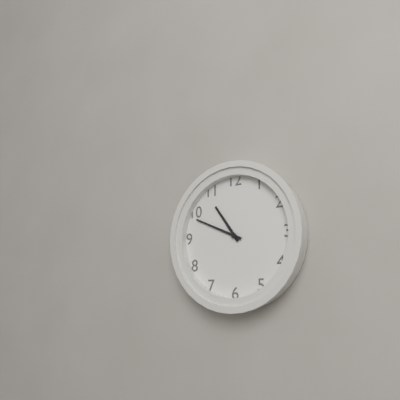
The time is h=10 m=49
